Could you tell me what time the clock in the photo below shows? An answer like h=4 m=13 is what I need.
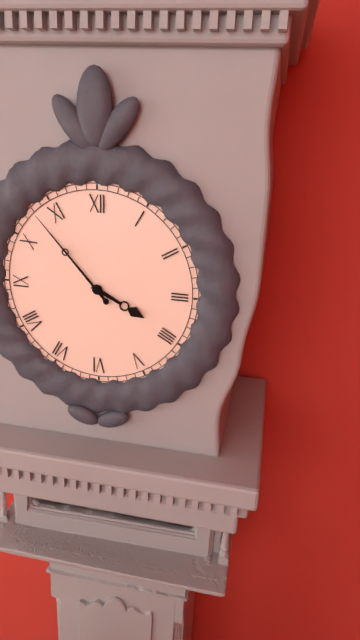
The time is h=3 m=53
